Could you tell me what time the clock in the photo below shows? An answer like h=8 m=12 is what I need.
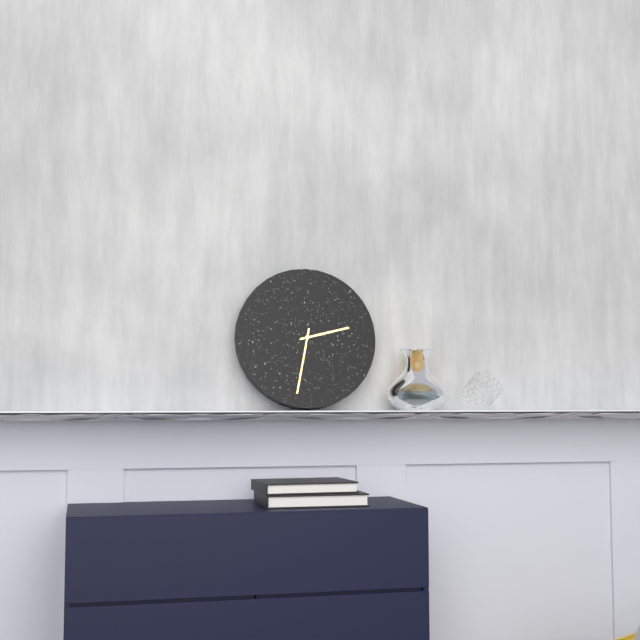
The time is h=2 m=32
